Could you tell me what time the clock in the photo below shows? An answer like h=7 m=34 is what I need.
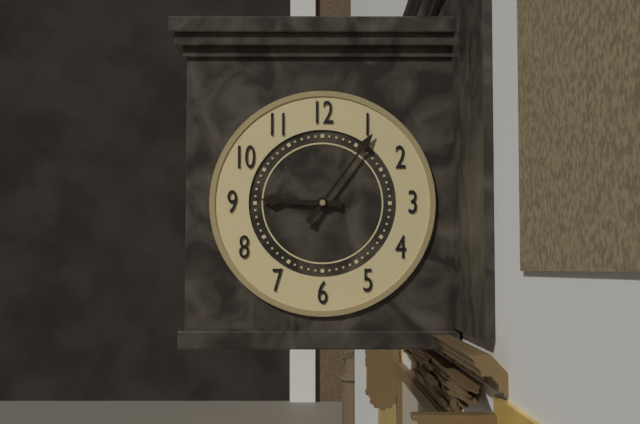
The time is h=9 m=6
